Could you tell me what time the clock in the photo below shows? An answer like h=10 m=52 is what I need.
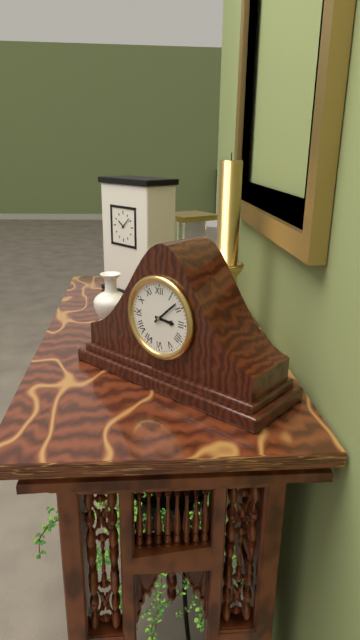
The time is h=3 m=8
